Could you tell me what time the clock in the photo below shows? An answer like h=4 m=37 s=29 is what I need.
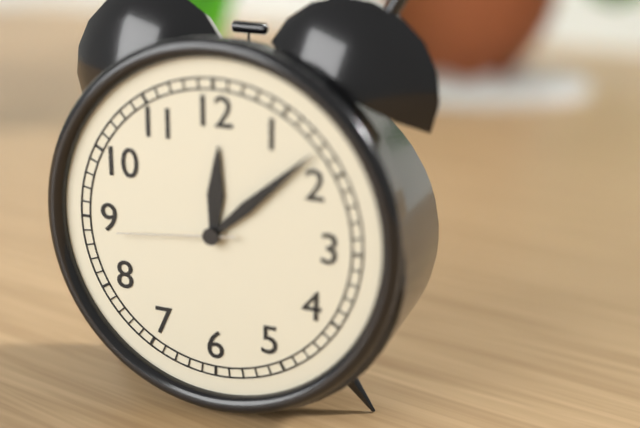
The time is h=12 m=8 s=44
